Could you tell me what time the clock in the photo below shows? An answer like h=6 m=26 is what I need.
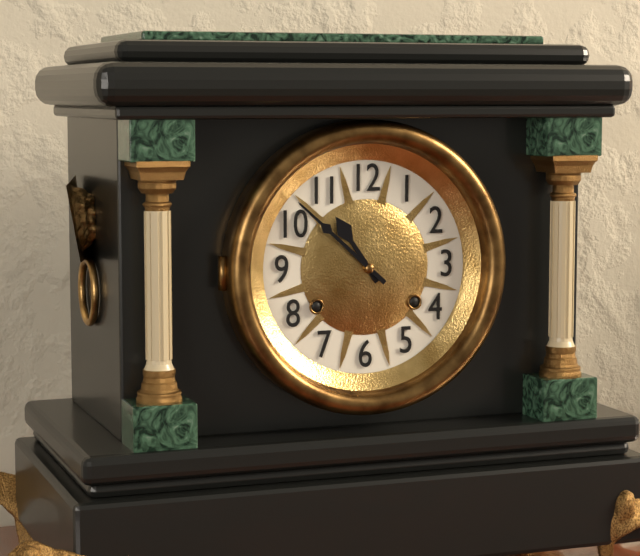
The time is h=10 m=52
